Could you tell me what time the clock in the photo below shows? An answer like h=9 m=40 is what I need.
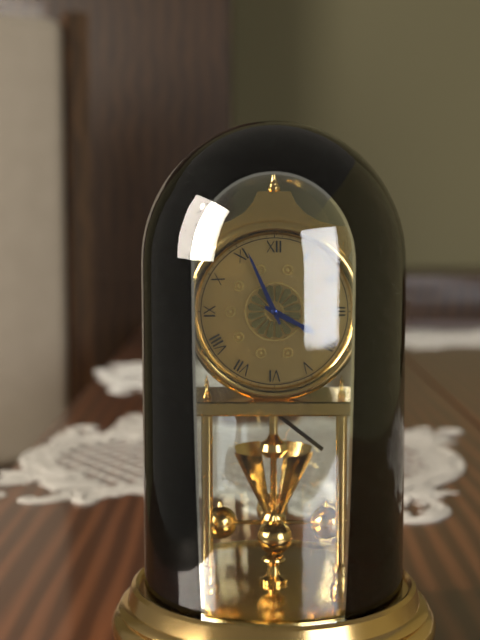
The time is h=3 m=56
